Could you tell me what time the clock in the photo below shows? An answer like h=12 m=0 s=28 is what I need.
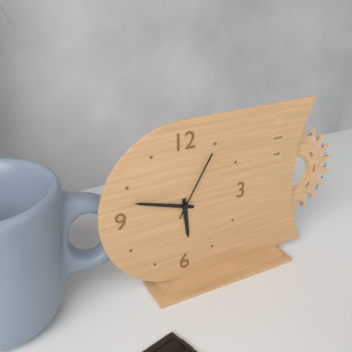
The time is h=5 m=48 s=5
